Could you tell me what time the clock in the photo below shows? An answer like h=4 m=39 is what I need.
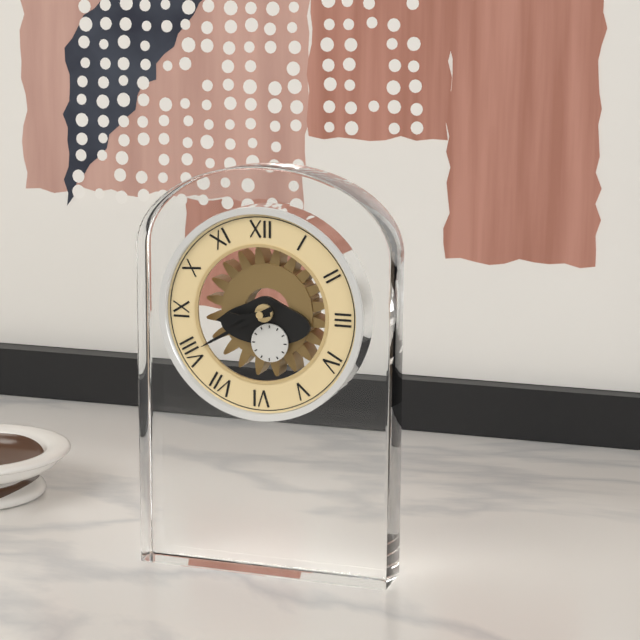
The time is h=8 m=40
